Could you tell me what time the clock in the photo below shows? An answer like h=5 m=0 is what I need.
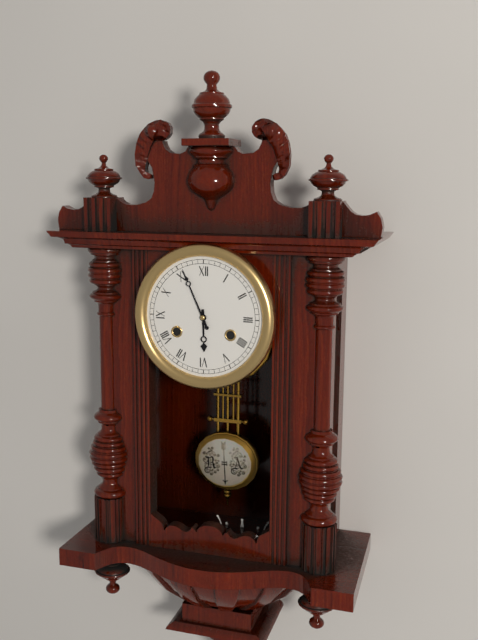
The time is h=5 m=56
